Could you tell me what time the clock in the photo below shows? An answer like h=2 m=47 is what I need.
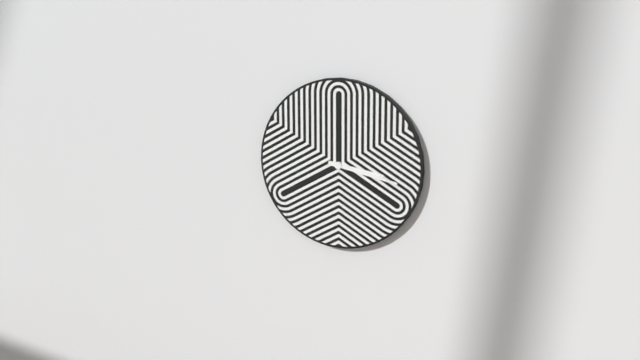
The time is h=3 m=17
